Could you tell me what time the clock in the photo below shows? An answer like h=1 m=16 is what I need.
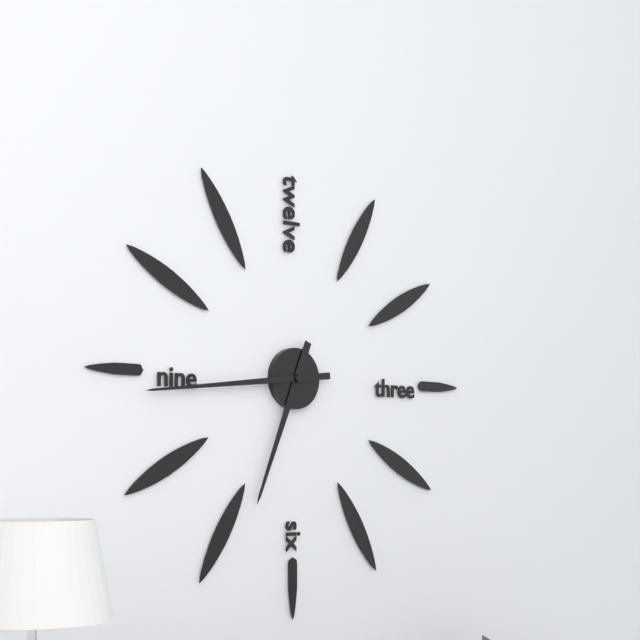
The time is h=6 m=44
